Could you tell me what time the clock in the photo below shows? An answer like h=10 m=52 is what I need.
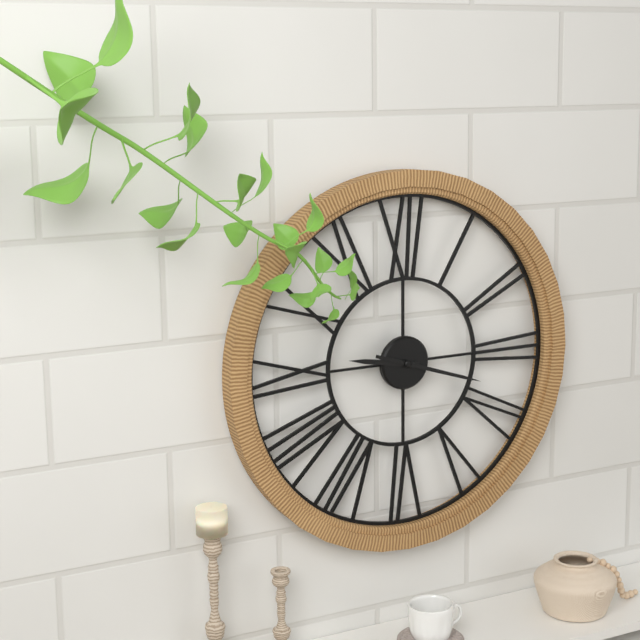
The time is h=9 m=18
